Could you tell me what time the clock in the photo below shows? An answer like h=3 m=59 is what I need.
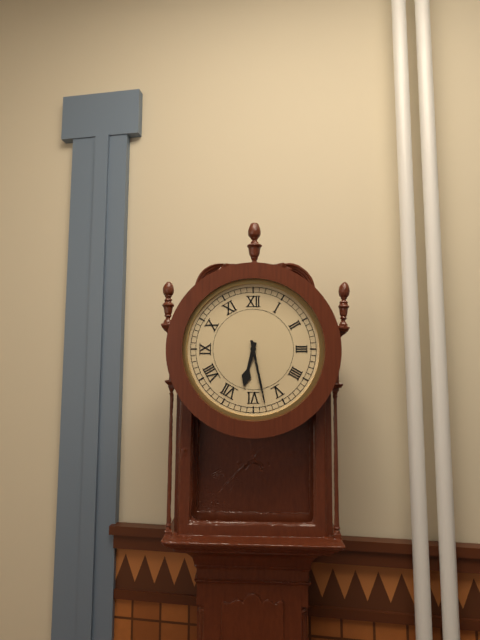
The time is h=6 m=28
